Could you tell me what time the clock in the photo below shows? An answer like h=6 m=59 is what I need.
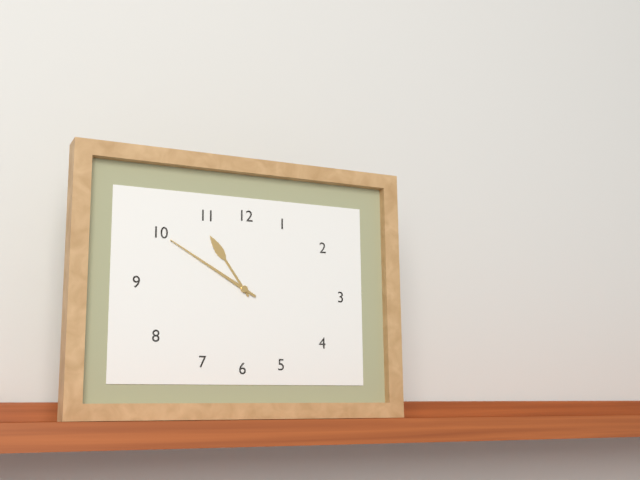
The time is h=10 m=50
